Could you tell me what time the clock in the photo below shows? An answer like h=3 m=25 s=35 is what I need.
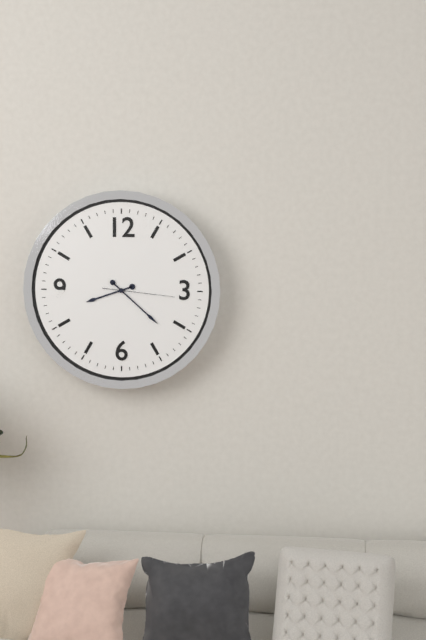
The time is h=8 m=22 s=16
